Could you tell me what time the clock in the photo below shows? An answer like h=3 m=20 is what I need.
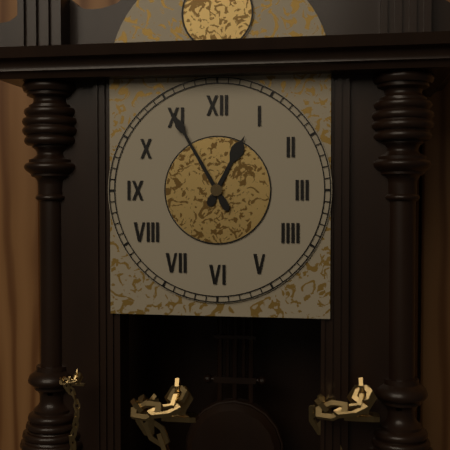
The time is h=12 m=55
